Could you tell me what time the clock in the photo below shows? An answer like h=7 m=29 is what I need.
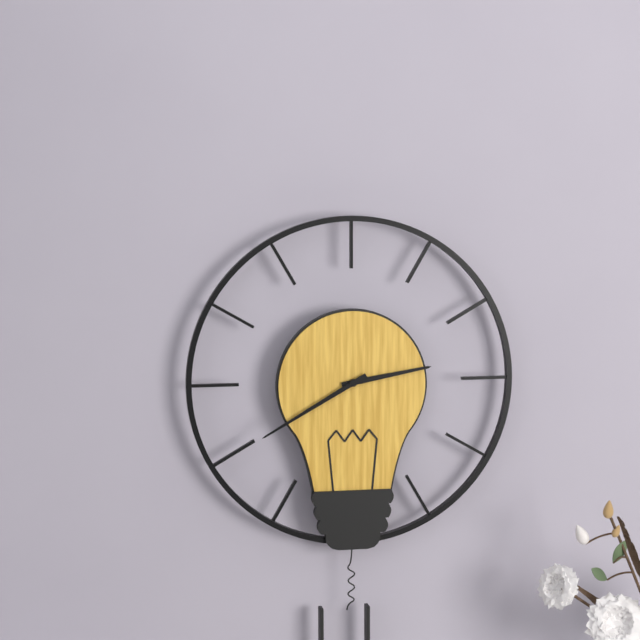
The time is h=2 m=40
